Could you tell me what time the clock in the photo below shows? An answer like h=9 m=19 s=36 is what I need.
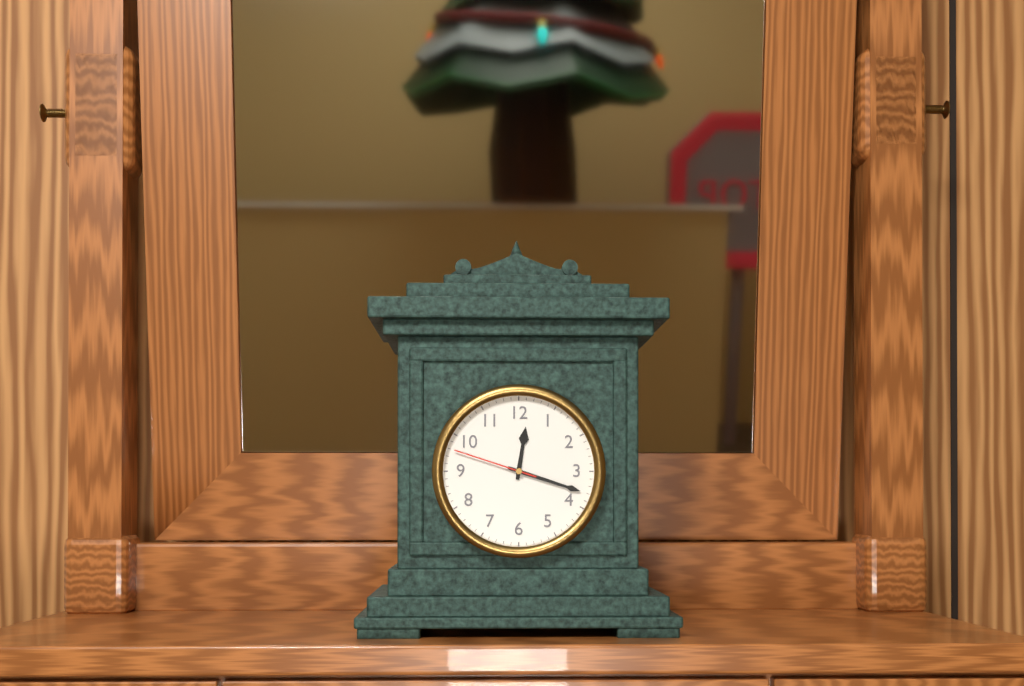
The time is h=12 m=18 s=48
